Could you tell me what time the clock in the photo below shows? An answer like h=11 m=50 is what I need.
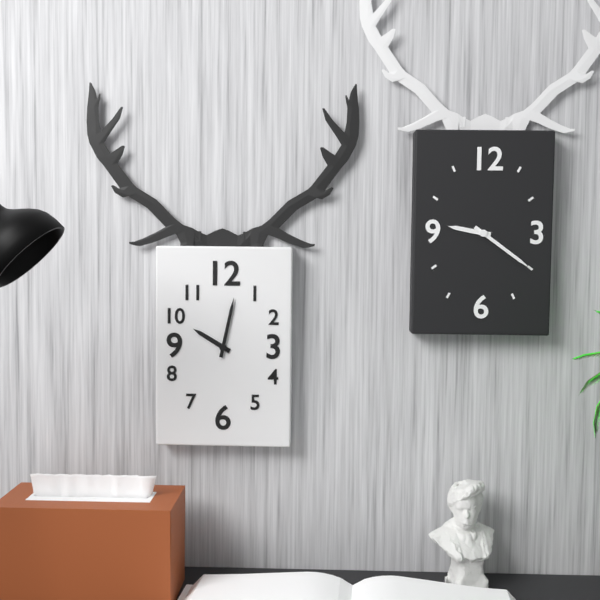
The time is h=10 m=2
